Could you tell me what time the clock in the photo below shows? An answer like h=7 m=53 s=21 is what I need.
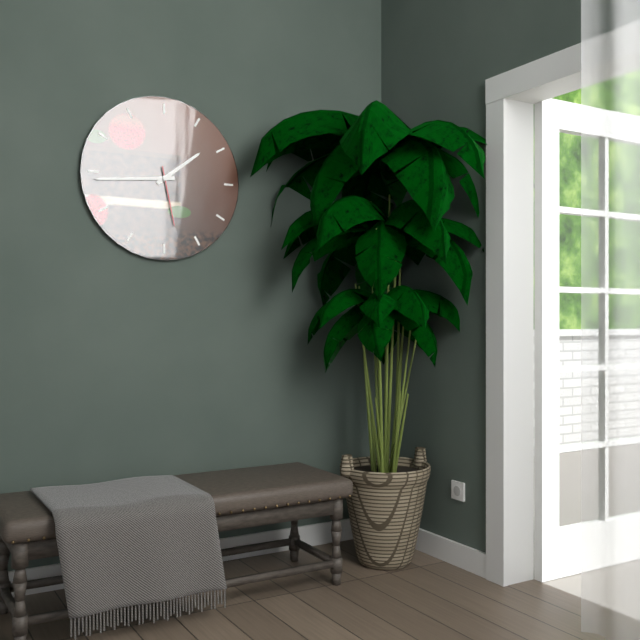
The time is h=1 m=44 s=28
